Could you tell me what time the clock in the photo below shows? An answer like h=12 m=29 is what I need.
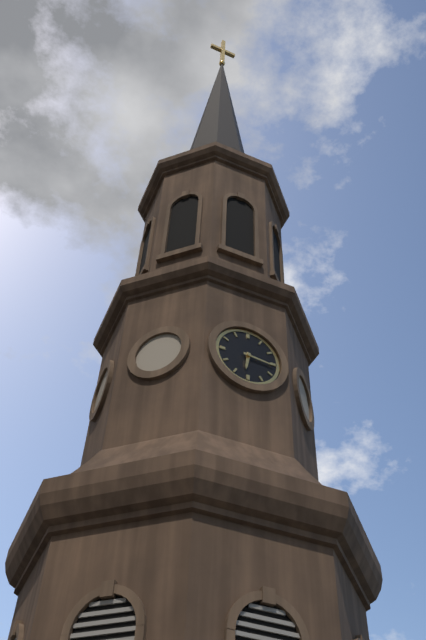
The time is h=6 m=16
